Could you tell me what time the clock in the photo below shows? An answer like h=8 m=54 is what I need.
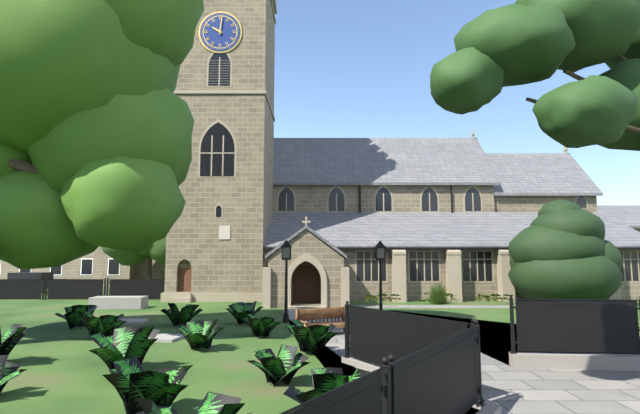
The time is h=10 m=1
